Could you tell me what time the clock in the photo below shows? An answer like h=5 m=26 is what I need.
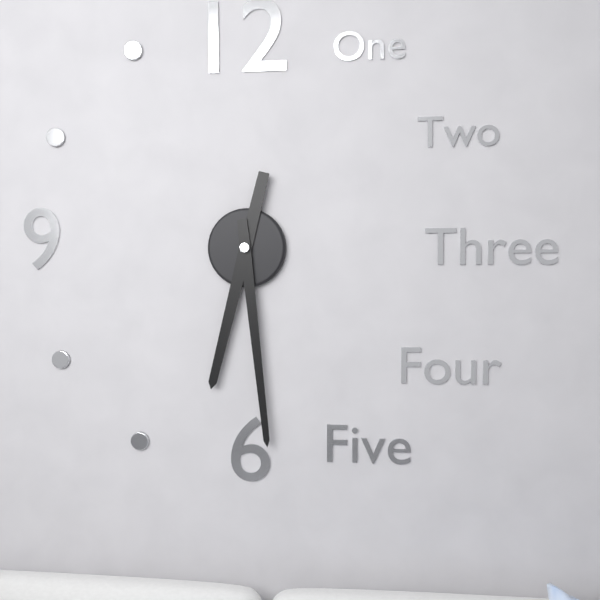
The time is h=6 m=29
